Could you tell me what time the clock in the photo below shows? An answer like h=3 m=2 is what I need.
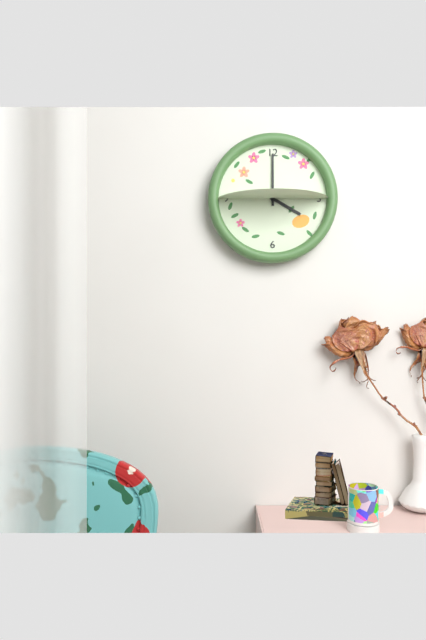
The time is h=4 m=0
